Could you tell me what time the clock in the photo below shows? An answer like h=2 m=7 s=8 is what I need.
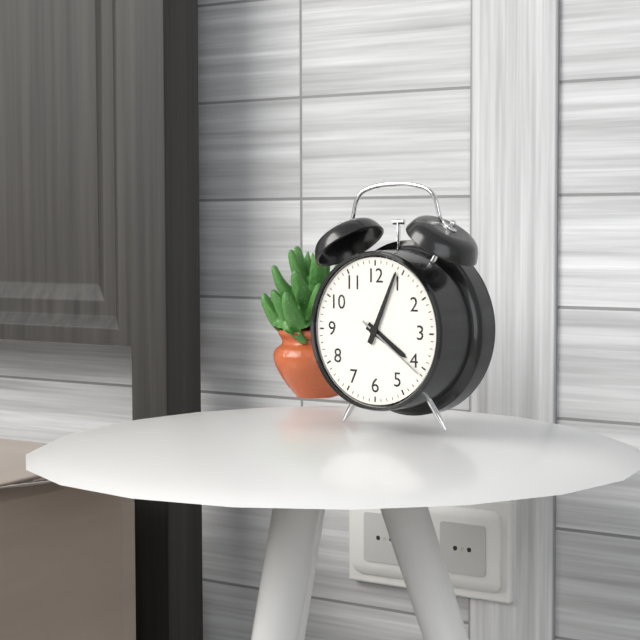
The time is h=4 m=4 s=21
